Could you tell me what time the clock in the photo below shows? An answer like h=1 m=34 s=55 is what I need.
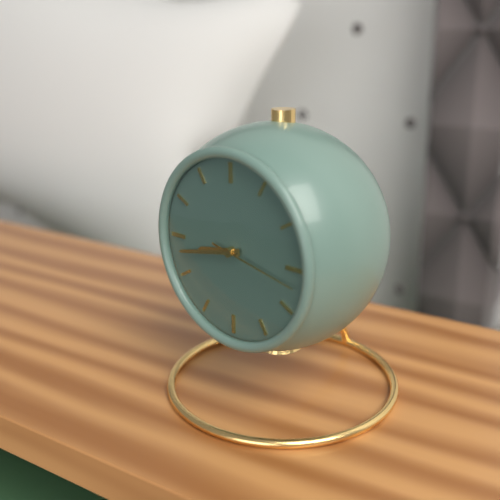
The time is h=8 m=43 s=17
